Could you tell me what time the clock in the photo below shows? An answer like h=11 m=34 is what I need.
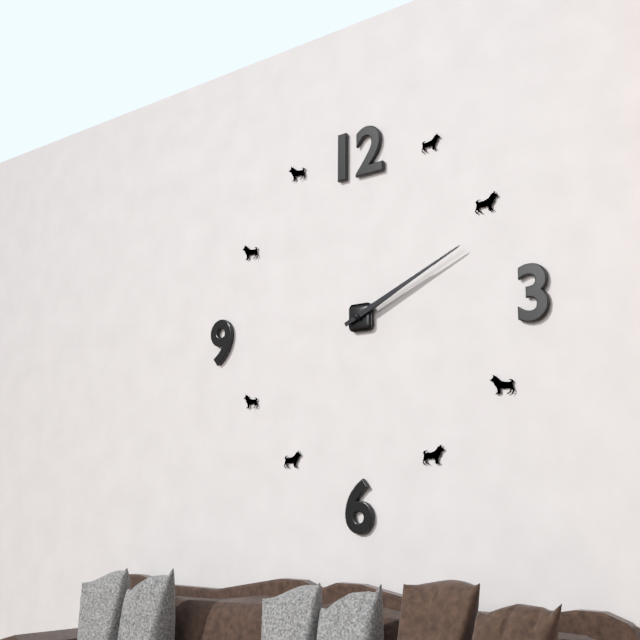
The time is h=2 m=11
